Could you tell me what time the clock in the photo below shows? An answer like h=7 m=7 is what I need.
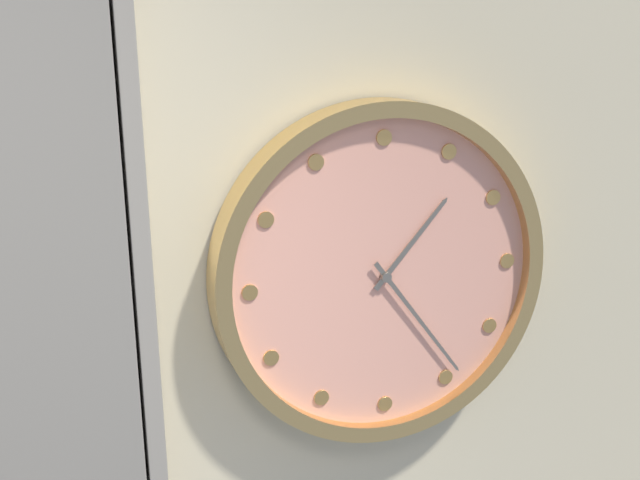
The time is h=1 m=24
